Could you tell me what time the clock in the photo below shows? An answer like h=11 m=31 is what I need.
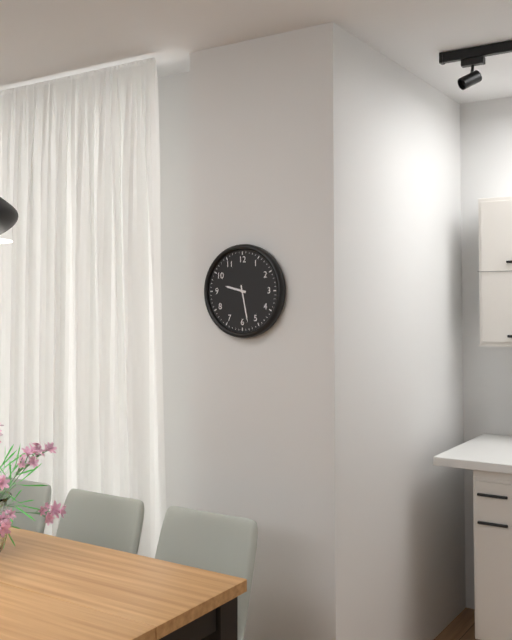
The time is h=9 m=28
